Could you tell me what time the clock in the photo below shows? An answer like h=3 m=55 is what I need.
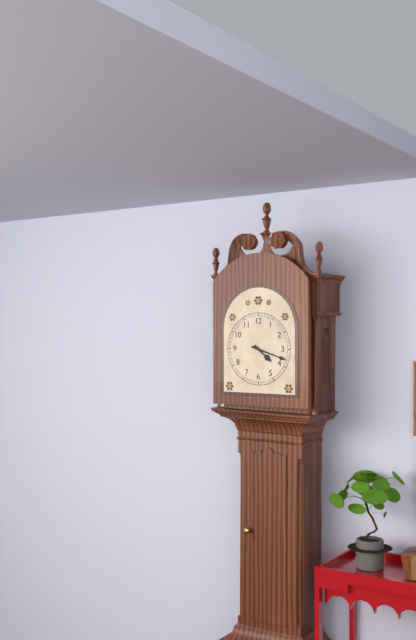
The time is h=4 m=18
